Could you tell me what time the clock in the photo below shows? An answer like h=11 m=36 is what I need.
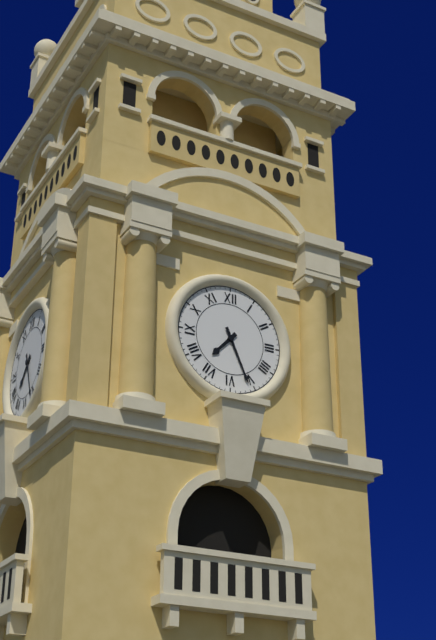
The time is h=7 m=26
